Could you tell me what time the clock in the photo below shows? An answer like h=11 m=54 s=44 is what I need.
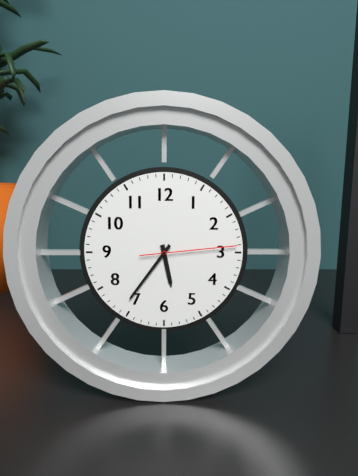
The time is h=5 m=36 s=14
